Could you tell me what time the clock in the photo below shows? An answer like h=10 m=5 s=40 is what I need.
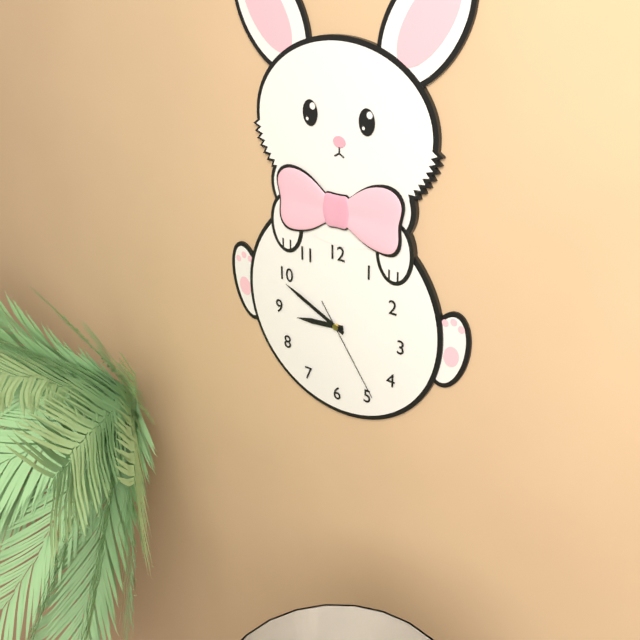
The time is h=8 m=49 s=24
